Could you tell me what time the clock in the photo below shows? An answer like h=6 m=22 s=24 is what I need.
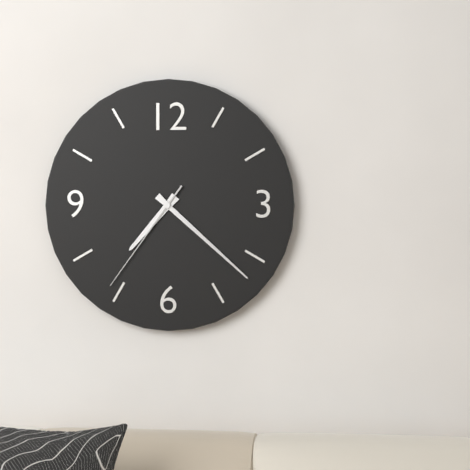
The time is h=7 m=22 s=36
